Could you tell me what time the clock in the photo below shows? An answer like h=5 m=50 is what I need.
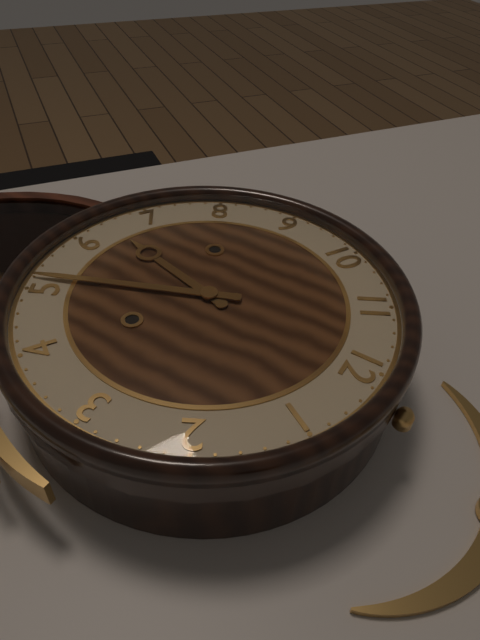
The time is h=6 m=26
